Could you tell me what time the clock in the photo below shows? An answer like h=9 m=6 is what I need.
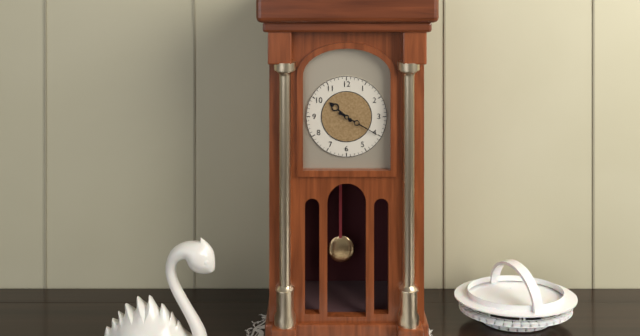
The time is h=10 m=20
